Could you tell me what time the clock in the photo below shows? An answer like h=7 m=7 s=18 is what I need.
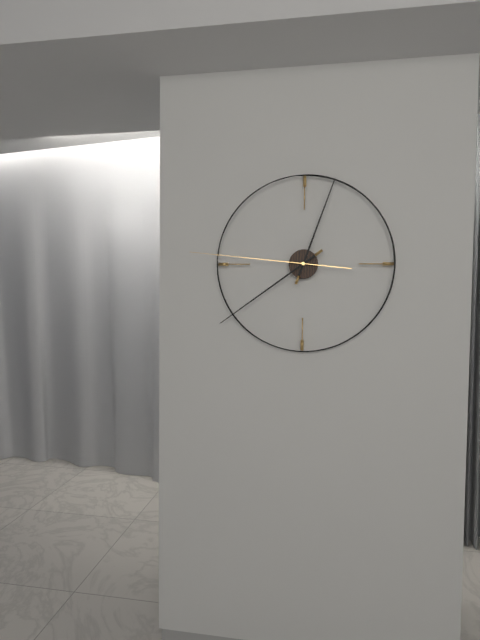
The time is h=12 m=39 s=46
